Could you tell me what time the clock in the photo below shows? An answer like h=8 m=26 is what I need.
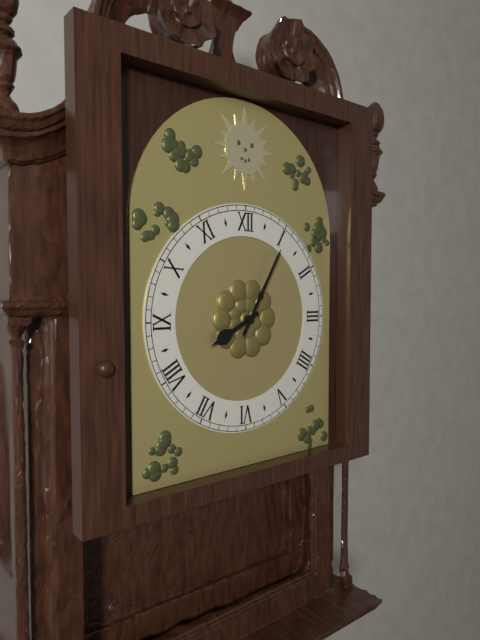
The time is h=8 m=5
